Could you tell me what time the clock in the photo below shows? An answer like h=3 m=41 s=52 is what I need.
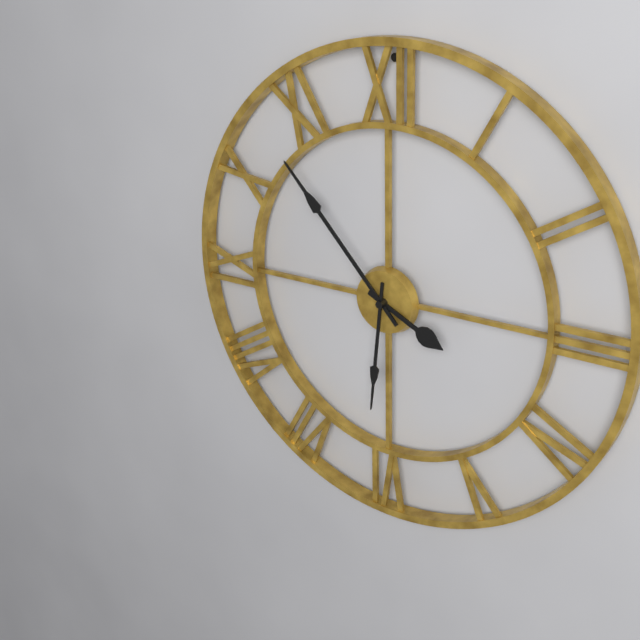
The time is h=3 m=53 s=31
